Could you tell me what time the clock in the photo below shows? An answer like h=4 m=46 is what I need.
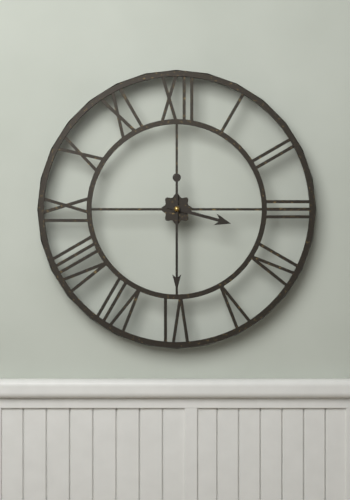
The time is h=3 m=30
